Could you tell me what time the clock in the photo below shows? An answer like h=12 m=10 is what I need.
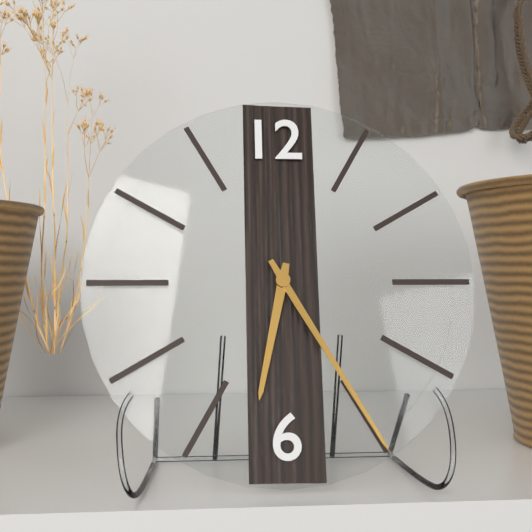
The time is h=6 m=25
